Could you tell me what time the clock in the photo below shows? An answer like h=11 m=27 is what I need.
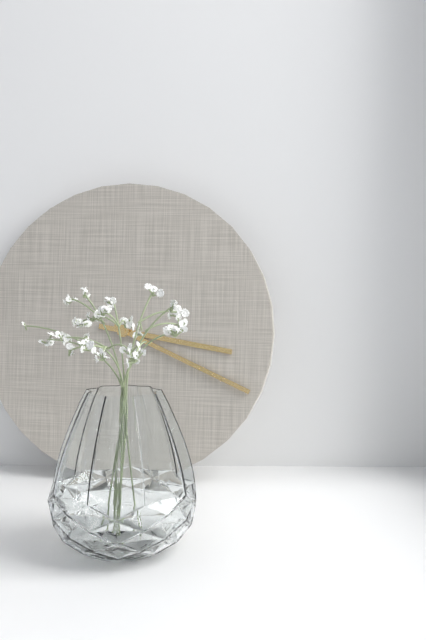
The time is h=3 m=19
